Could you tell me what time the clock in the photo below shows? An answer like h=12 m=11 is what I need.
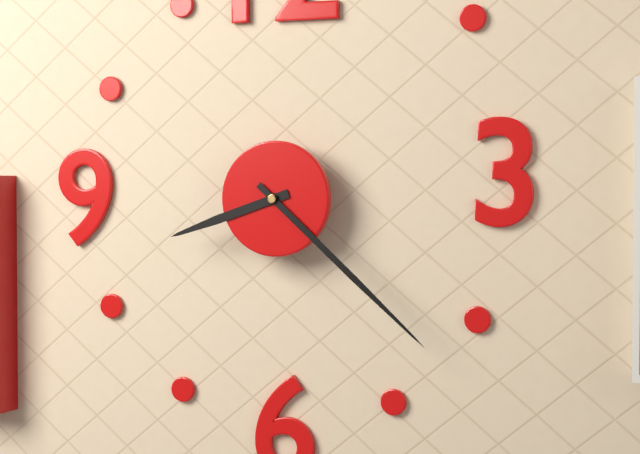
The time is h=8 m=22
